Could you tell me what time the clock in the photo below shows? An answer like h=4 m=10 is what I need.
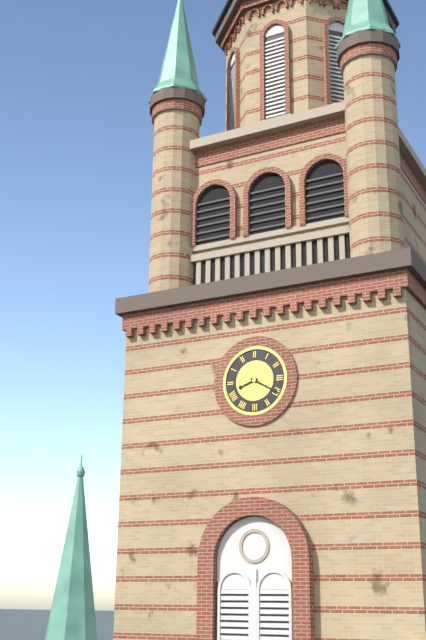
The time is h=8 m=20
